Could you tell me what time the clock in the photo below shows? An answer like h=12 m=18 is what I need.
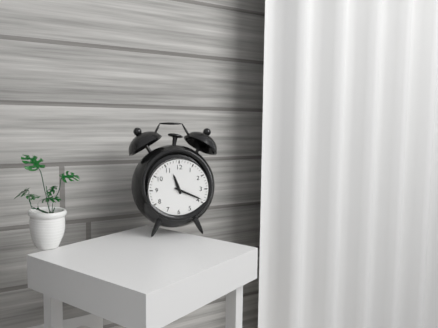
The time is h=11 m=19
